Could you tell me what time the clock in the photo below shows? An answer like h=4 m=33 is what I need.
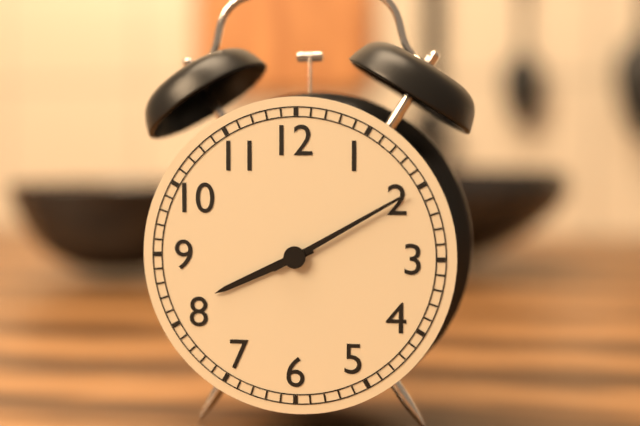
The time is h=8 m=10
